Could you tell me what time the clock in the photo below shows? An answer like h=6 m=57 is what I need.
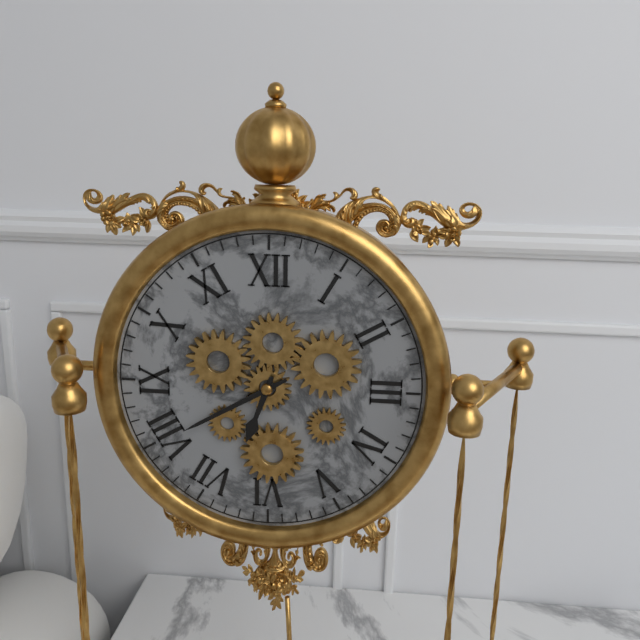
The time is h=6 m=40
